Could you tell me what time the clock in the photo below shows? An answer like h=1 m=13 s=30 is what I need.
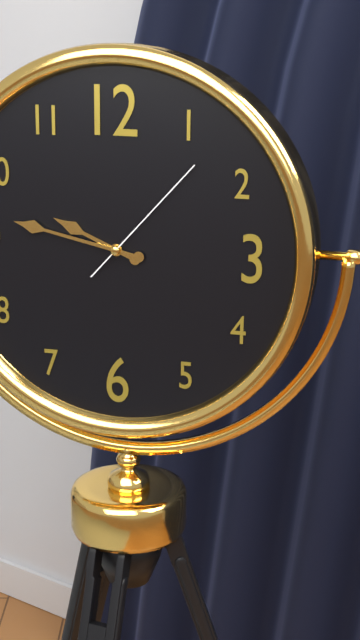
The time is h=9 m=47 s=7
